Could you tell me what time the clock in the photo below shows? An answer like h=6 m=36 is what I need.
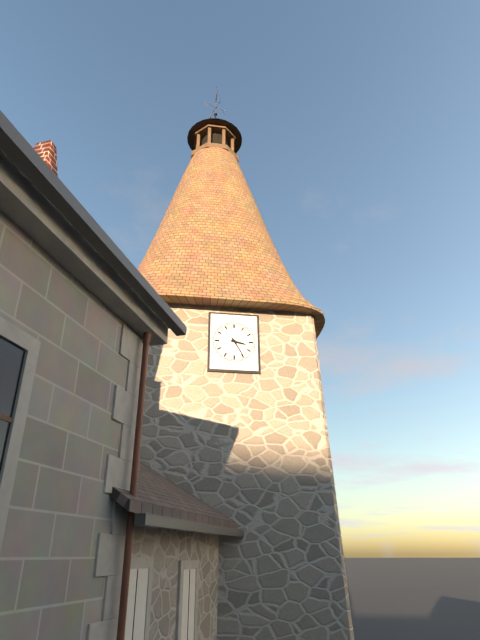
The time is h=3 m=25
